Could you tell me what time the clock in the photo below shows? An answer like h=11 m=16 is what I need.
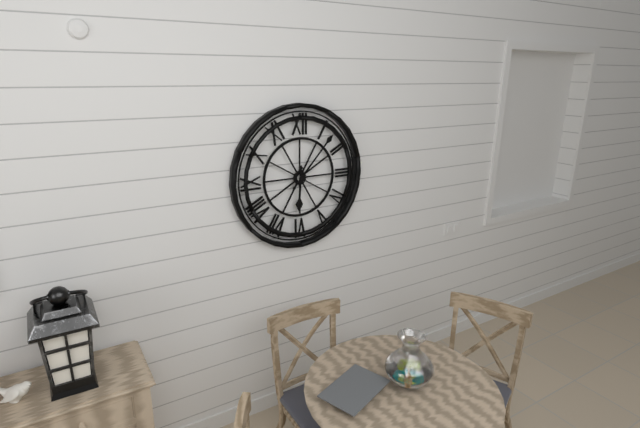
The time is h=6 m=7
